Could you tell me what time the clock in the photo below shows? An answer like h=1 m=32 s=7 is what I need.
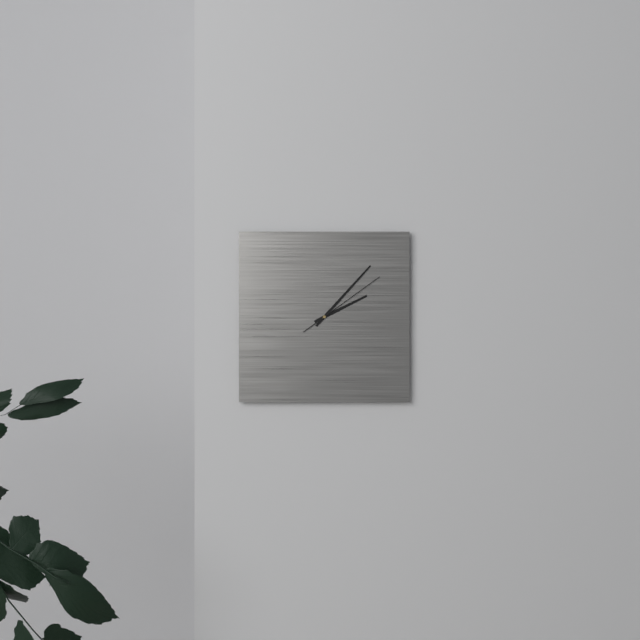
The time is h=2 m=7 s=9
